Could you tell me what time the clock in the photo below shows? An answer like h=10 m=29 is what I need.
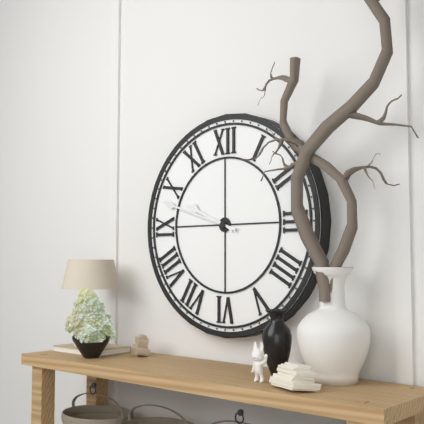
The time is h=9 m=48
